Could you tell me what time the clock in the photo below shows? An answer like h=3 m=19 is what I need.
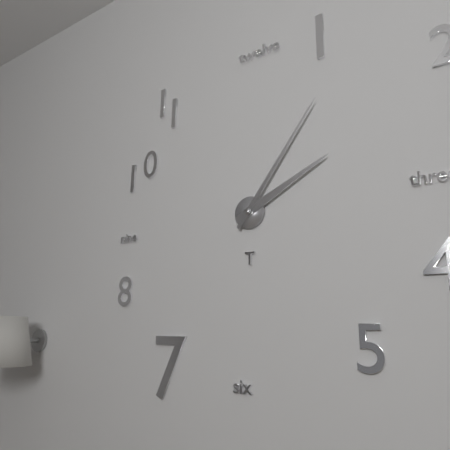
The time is h=2 m=6
